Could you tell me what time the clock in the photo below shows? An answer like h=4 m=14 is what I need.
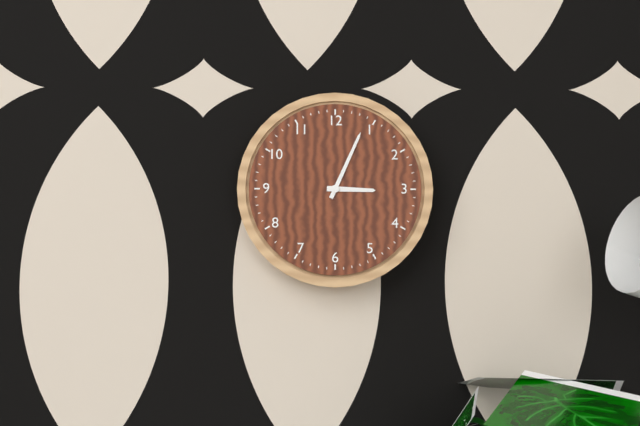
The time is h=3 m=4
